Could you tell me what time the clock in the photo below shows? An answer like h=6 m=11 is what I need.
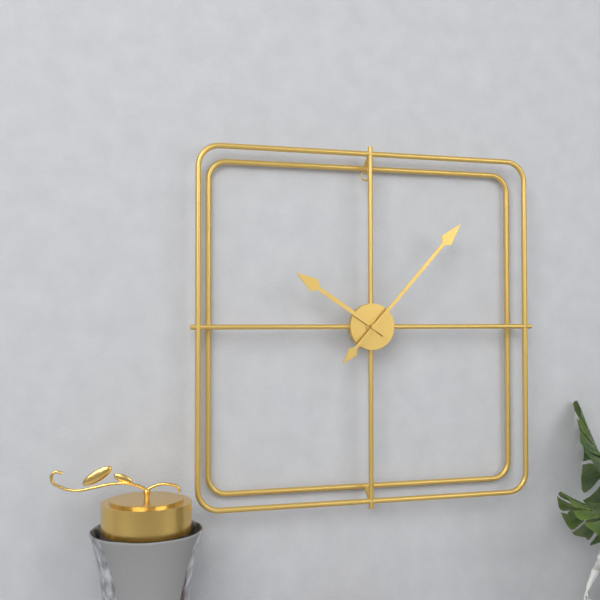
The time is h=10 m=7
